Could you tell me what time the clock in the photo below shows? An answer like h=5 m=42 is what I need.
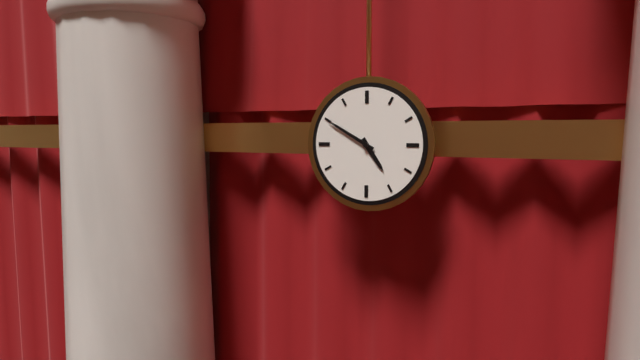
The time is h=4 m=50
